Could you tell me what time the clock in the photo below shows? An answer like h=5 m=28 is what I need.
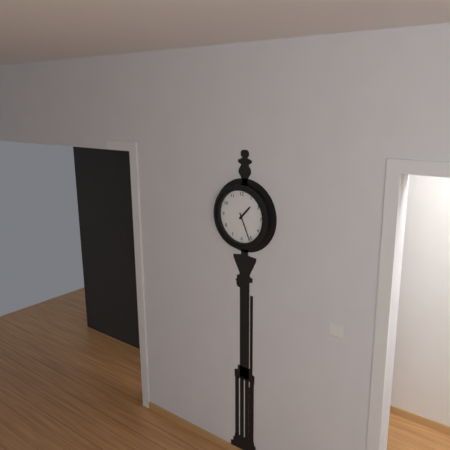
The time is h=1 m=26
